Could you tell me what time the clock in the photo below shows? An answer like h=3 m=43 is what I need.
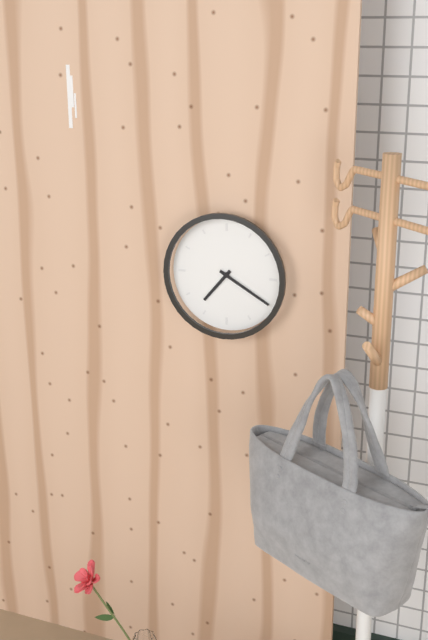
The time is h=7 m=20
